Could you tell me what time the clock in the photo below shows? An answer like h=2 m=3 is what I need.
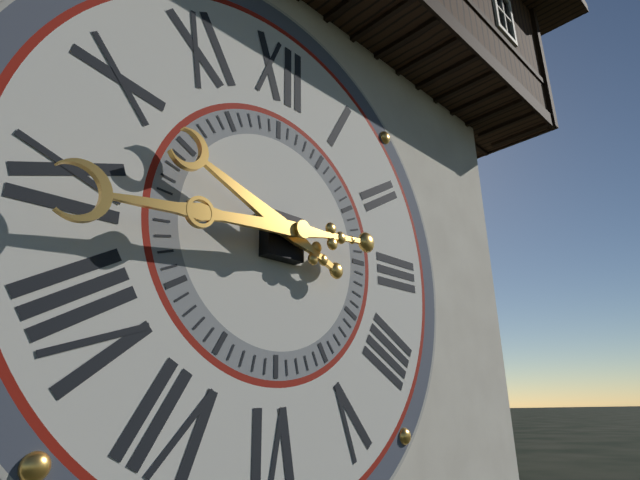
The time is h=9 m=44
